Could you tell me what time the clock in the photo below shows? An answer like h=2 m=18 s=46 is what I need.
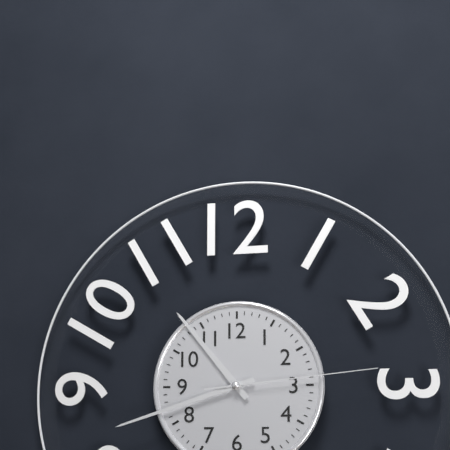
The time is h=10 m=42 s=14
